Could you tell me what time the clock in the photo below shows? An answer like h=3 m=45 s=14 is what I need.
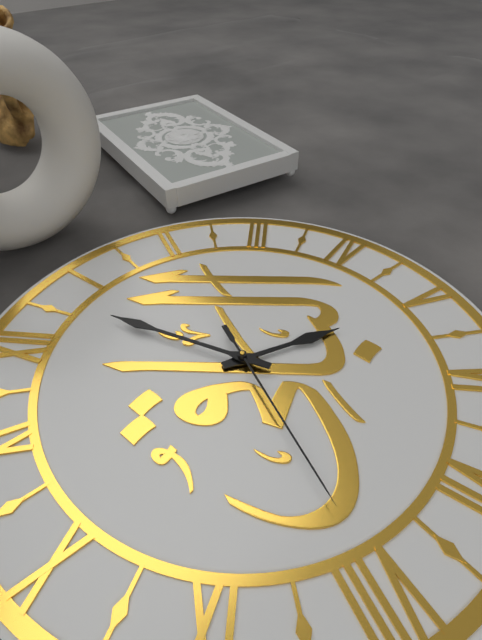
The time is h=5 m=3 s=40
